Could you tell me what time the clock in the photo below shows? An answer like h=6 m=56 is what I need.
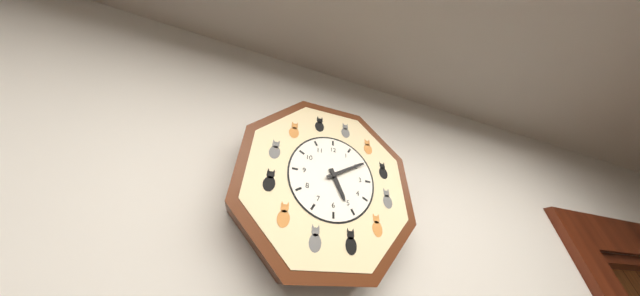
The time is h=5 m=10
